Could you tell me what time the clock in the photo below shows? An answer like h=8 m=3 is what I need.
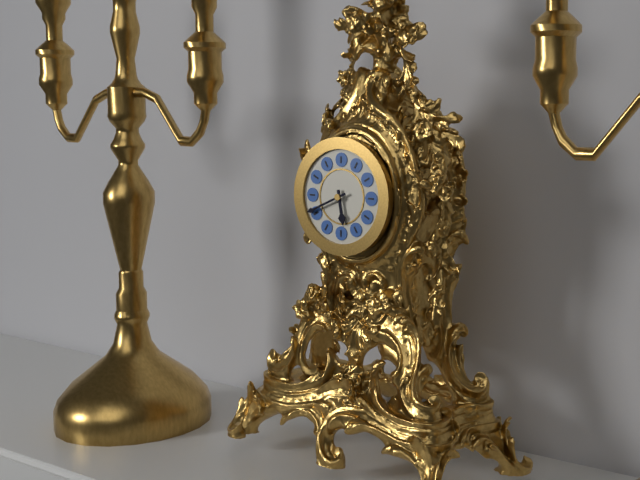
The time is h=5 m=41
